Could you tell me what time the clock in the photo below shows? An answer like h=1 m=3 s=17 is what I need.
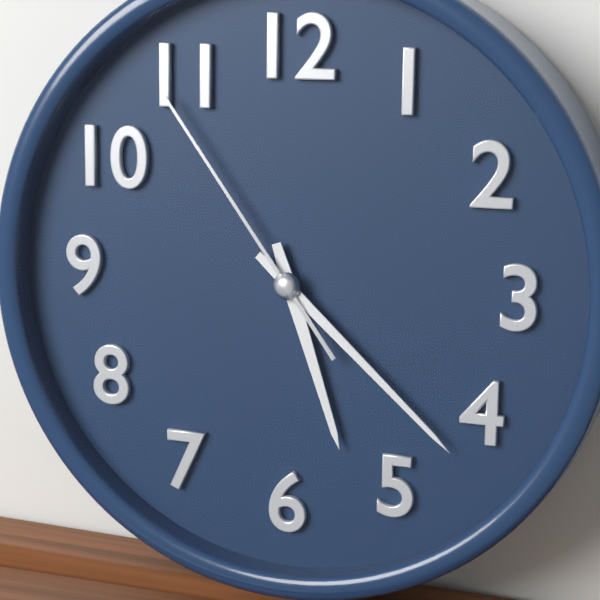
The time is h=5 m=22 s=54
